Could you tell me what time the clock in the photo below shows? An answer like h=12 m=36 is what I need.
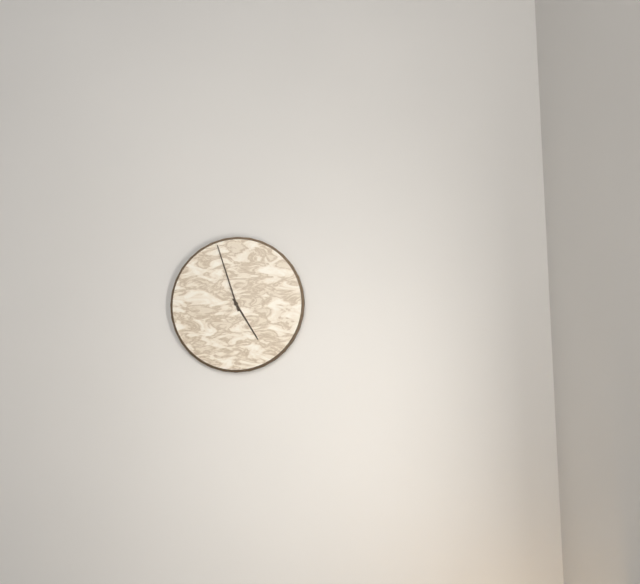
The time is h=4 m=57
